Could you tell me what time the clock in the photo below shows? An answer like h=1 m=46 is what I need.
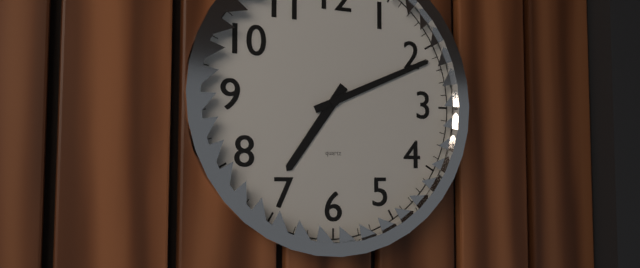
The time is h=7 m=11
